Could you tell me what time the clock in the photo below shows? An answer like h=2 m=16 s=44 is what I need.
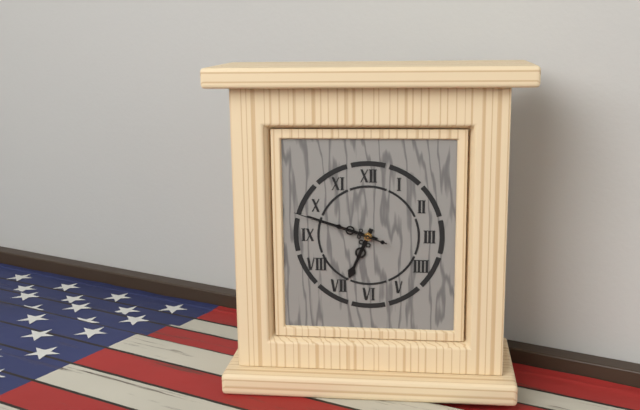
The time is h=6 m=48 s=48
